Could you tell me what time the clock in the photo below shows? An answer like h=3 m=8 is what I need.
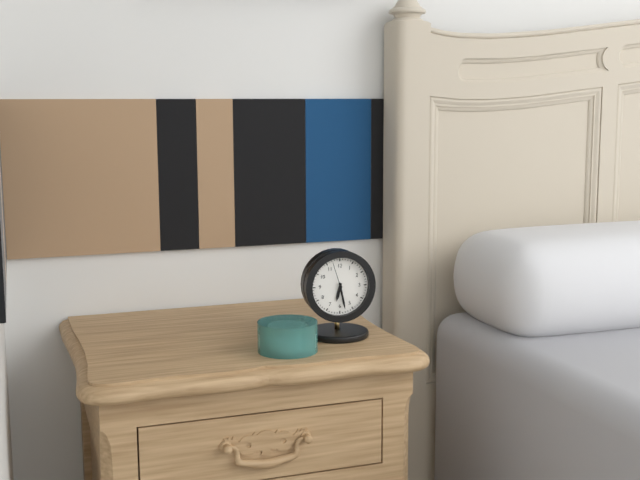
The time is h=6 m=28
